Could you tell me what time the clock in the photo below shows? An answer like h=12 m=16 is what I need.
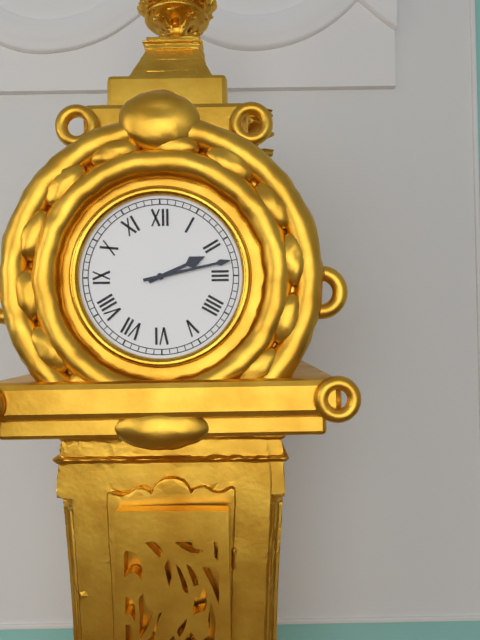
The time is h=2 m=13
